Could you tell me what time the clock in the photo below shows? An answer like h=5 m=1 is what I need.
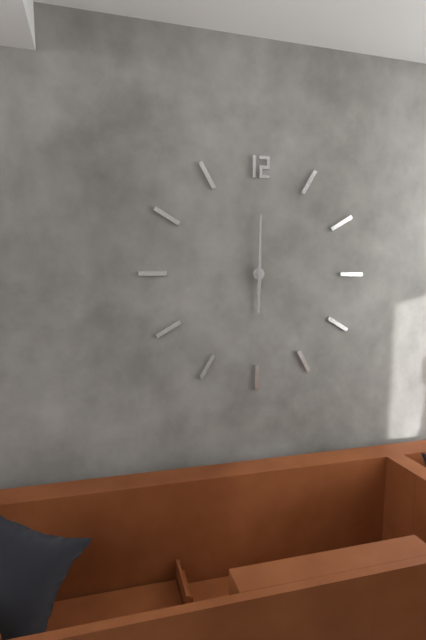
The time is h=6 m=0
